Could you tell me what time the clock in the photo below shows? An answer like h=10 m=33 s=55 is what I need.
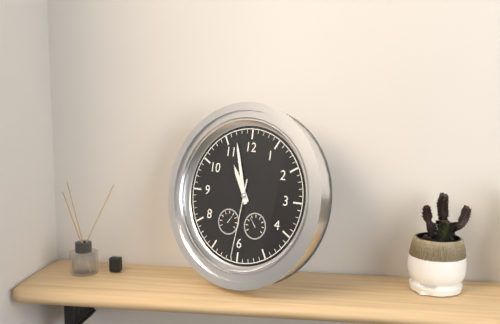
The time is h=10 m=57 s=31
